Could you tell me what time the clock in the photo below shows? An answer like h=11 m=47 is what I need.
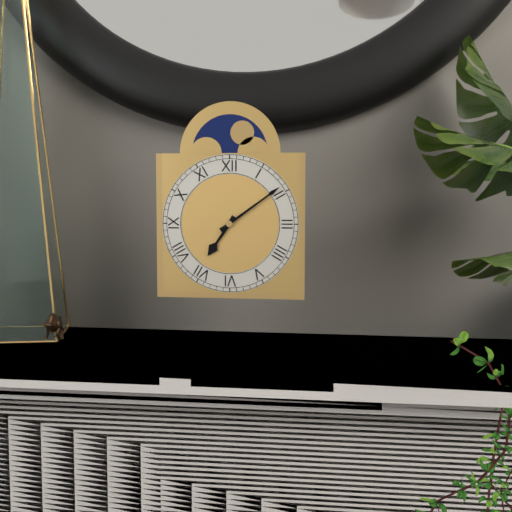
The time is h=7 m=9
